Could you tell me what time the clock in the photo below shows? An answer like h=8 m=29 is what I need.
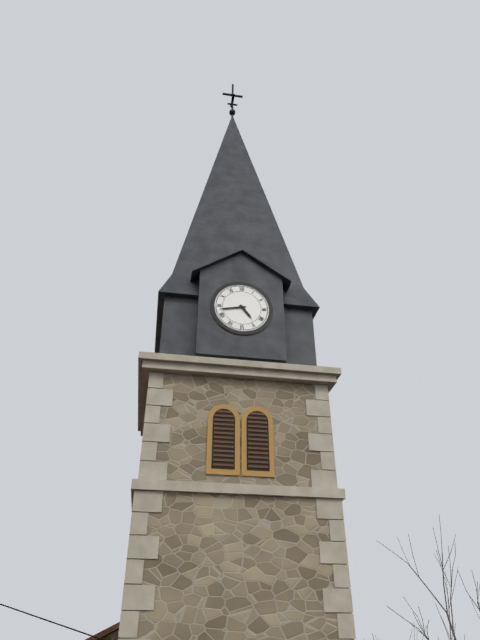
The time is h=4 m=43
